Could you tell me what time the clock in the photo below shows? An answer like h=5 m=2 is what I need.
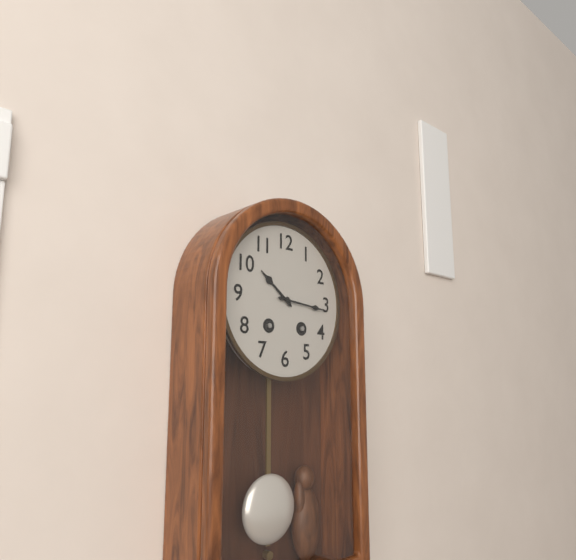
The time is h=10 m=16
